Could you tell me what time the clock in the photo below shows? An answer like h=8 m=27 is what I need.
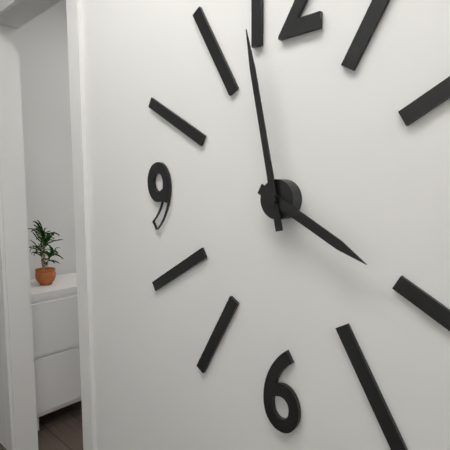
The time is h=3 m=58
